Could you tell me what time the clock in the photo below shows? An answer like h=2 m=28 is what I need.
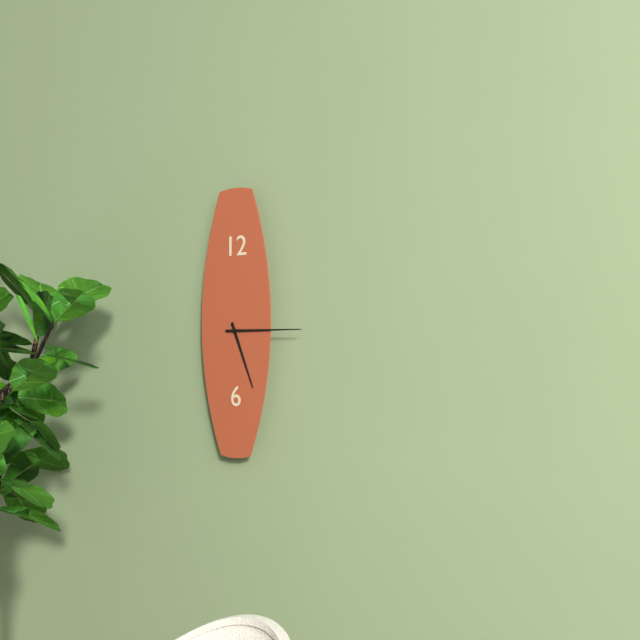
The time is h=5 m=15
